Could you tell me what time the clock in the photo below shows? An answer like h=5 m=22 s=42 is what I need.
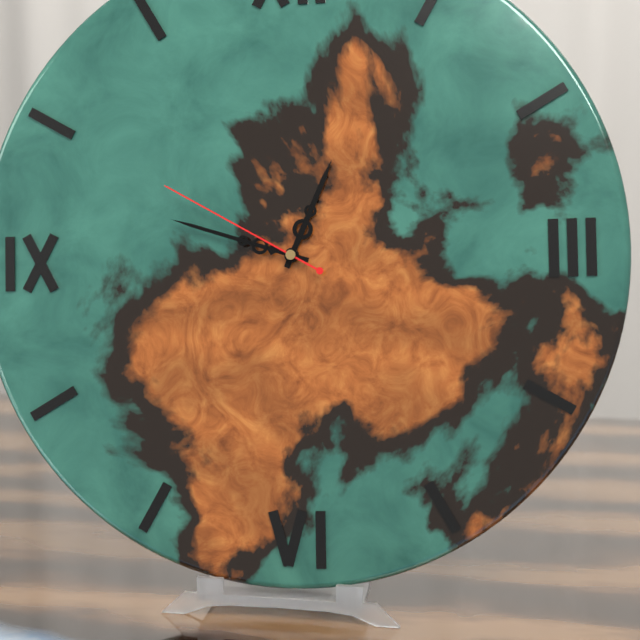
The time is h=12 m=48 s=50
